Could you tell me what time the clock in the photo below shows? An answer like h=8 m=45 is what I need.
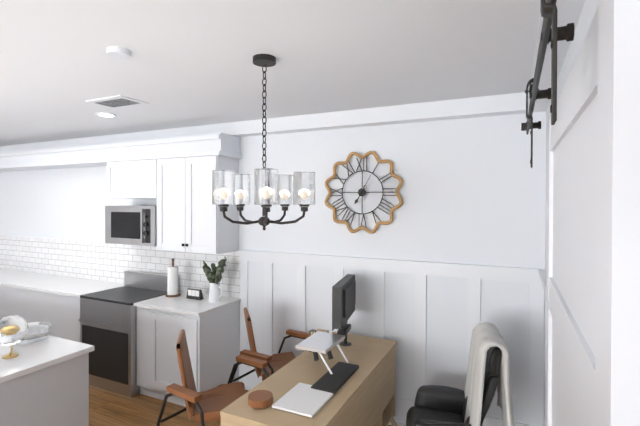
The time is h=7 m=5
